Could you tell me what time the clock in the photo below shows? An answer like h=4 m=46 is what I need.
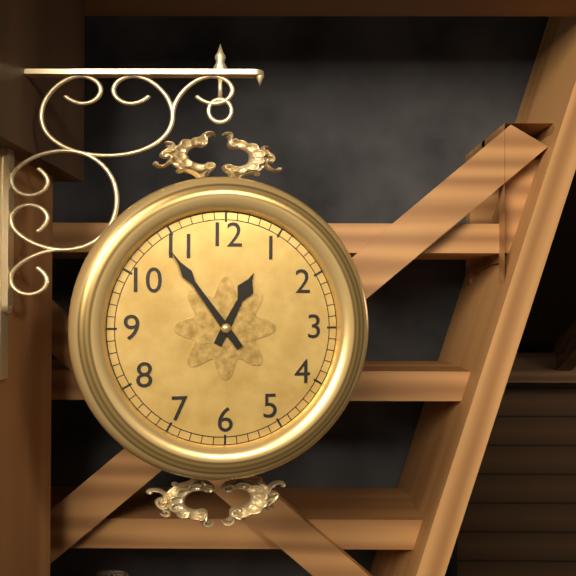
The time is h=12 m=54
